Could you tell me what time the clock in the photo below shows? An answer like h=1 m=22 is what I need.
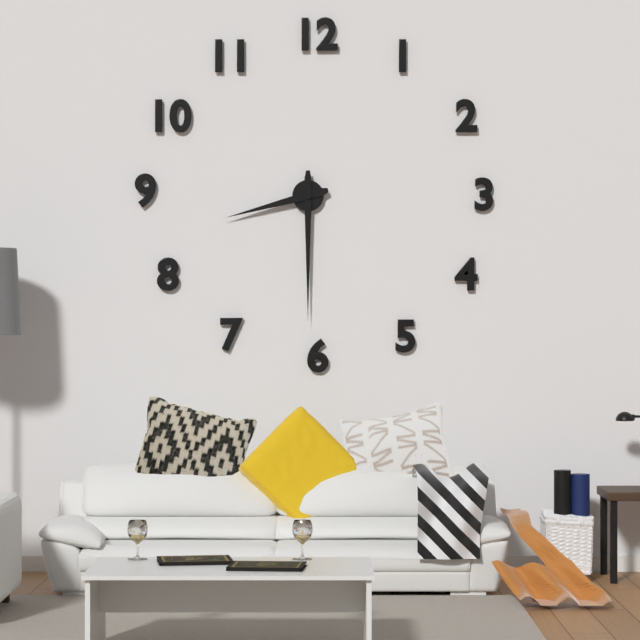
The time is h=8 m=30
